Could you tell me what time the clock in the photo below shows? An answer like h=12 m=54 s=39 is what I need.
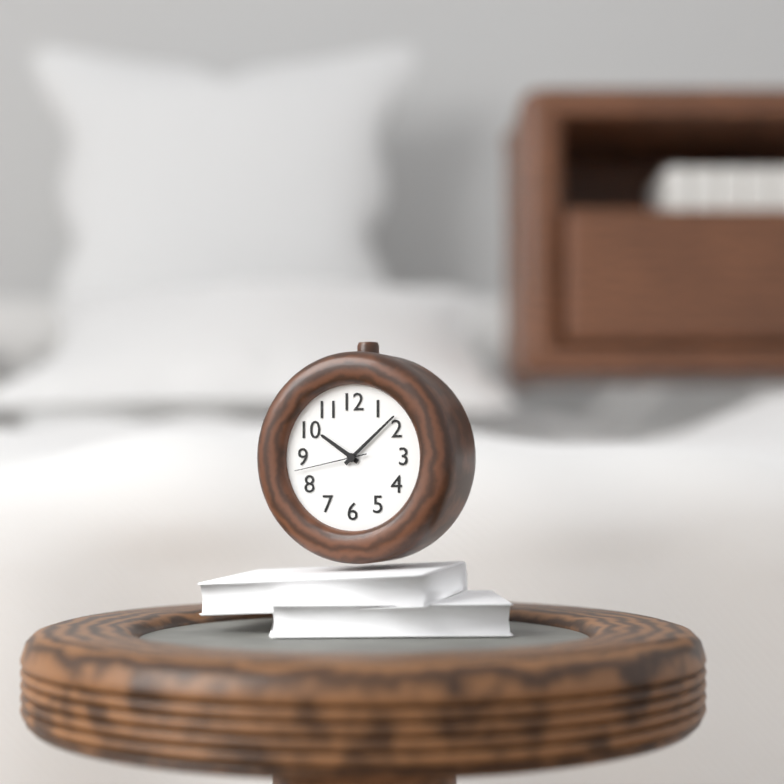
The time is h=10 m=8 s=43
